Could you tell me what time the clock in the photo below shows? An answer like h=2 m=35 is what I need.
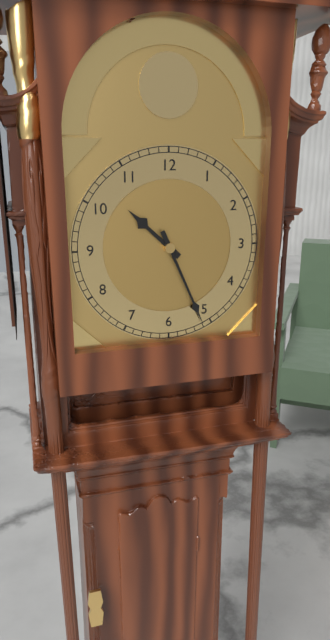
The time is h=10 m=26
